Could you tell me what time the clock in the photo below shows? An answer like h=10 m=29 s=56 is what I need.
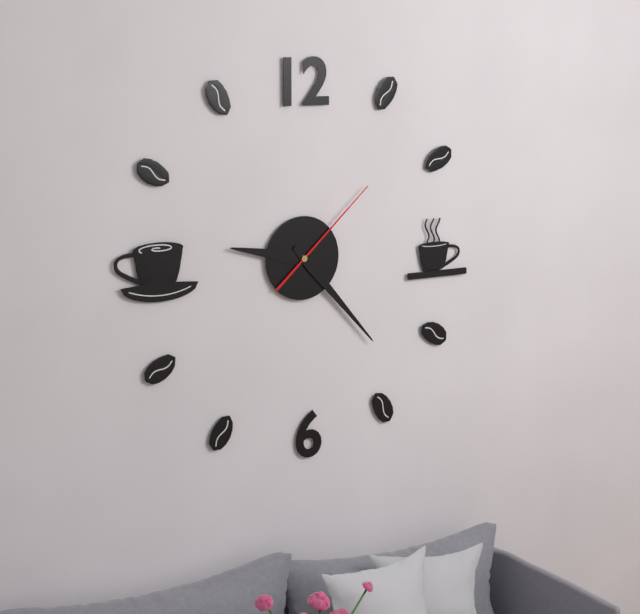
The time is h=9 m=23 s=8
